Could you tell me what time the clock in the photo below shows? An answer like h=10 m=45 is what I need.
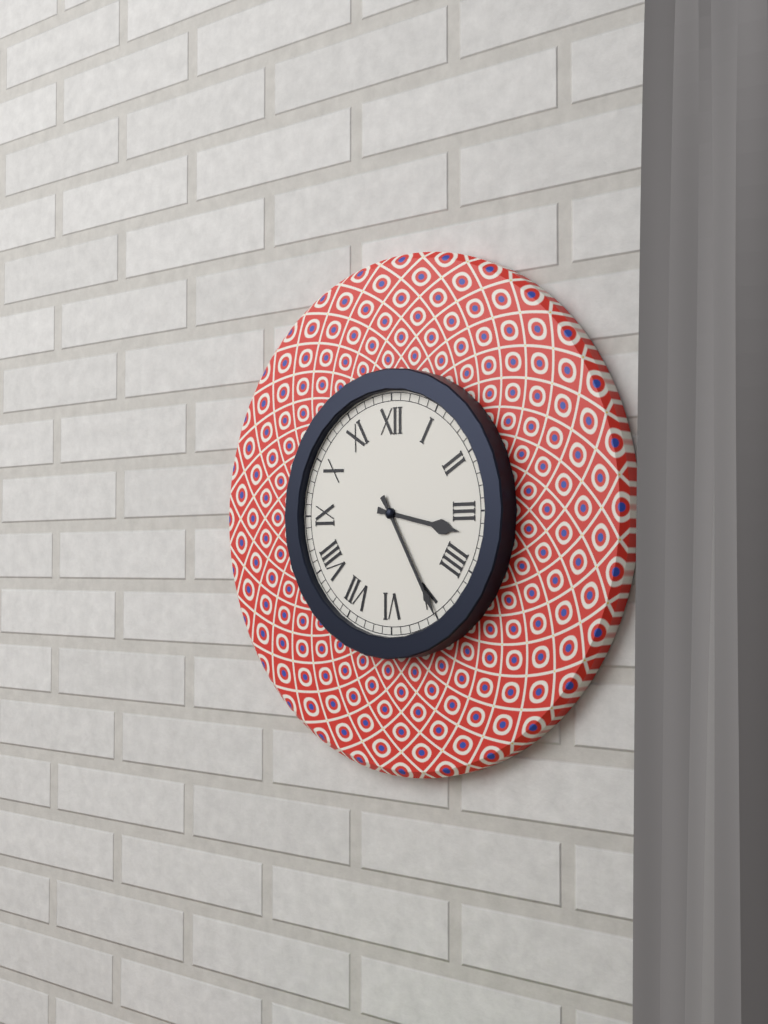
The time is h=3 m=25
